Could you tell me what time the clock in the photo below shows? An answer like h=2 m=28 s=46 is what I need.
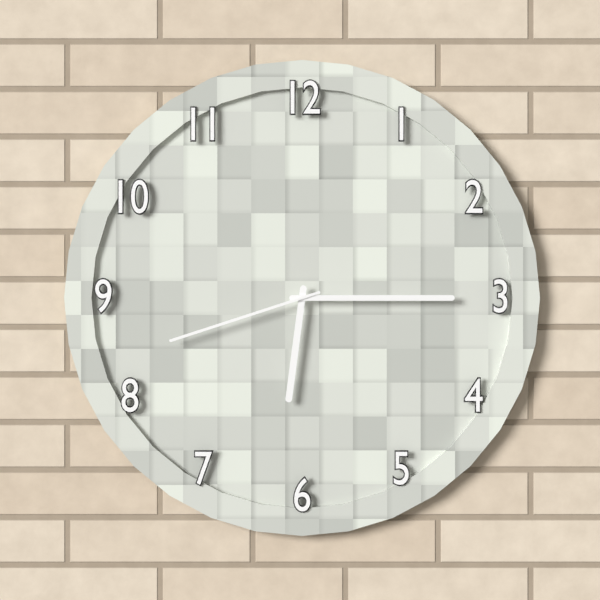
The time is h=6 m=15 s=42
